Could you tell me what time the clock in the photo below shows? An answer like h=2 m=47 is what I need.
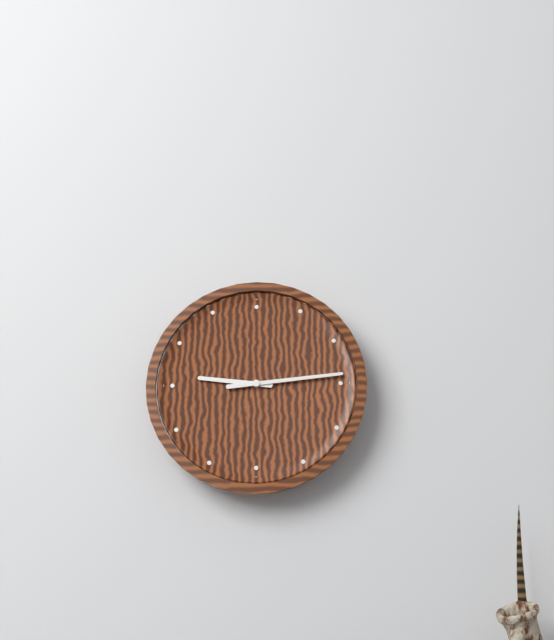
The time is h=9 m=14
